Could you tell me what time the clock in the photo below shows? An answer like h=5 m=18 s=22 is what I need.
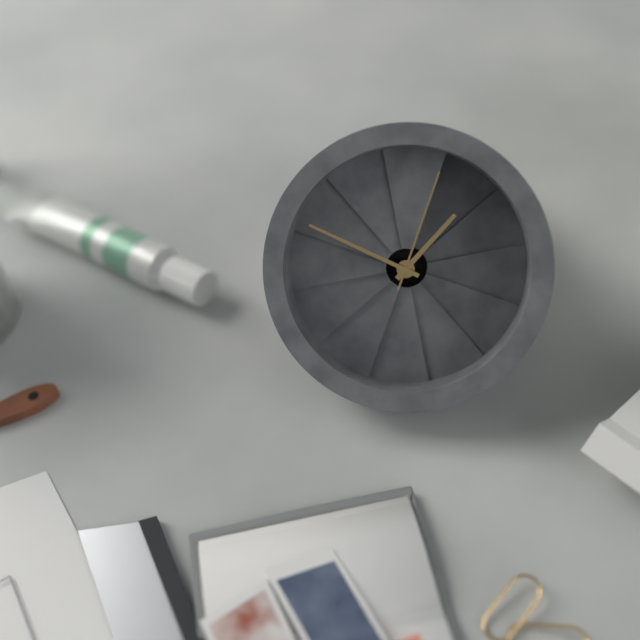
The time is h=12 m=46 s=0
